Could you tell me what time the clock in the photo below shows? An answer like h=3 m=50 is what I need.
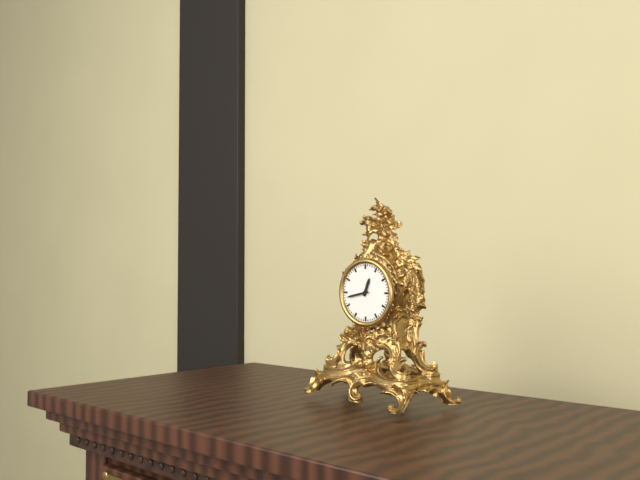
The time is h=12 m=43
